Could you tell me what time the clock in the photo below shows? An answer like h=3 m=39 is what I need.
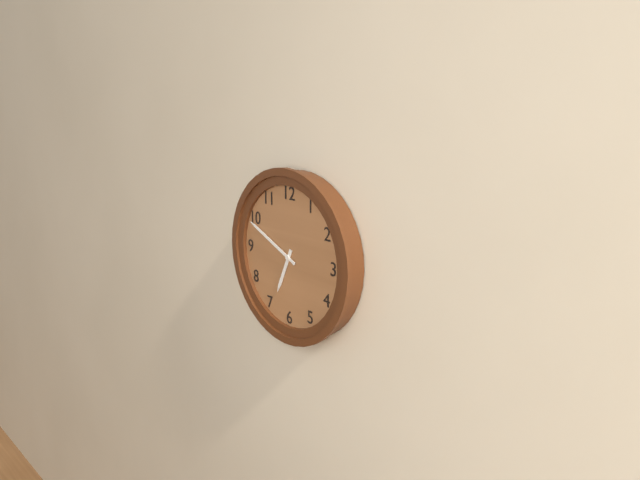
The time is h=6 m=49
